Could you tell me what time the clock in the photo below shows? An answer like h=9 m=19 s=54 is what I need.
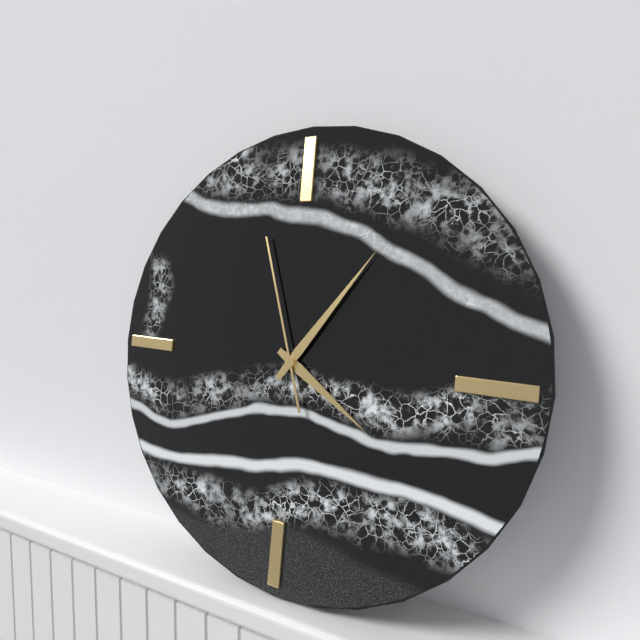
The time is h=4 m=6 s=57
